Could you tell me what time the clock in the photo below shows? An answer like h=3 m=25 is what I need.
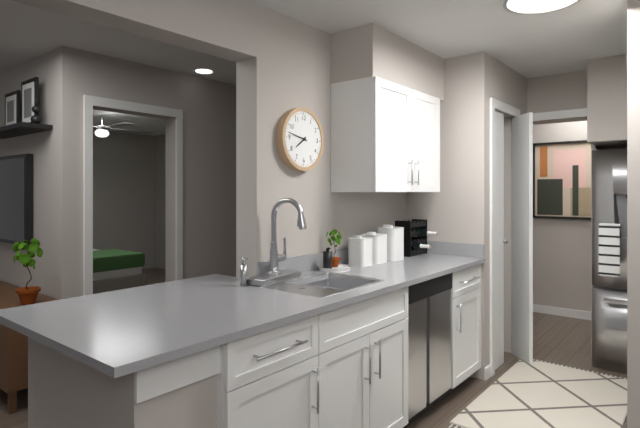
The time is h=7 m=47
